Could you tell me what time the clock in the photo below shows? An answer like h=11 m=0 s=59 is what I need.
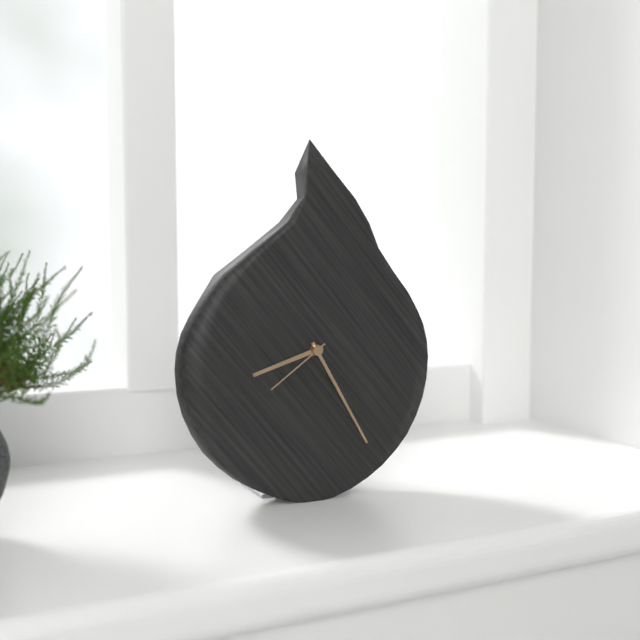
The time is h=8 m=25 s=39
